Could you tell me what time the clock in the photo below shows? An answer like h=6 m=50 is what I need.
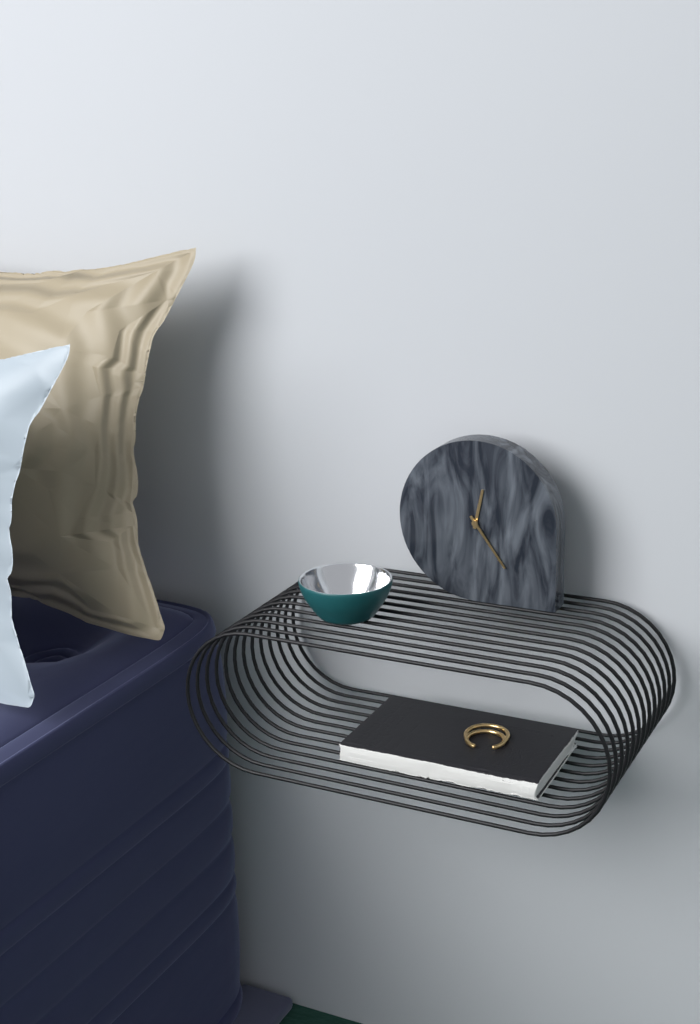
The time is h=12 m=24
